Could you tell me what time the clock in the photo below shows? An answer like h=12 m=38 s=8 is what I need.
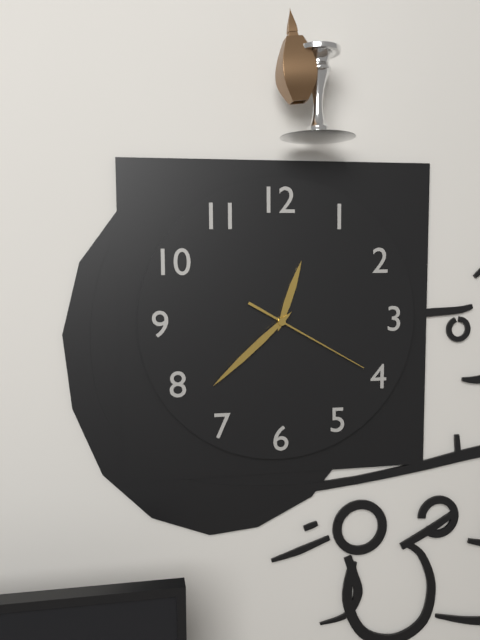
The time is h=12 m=38 s=20
